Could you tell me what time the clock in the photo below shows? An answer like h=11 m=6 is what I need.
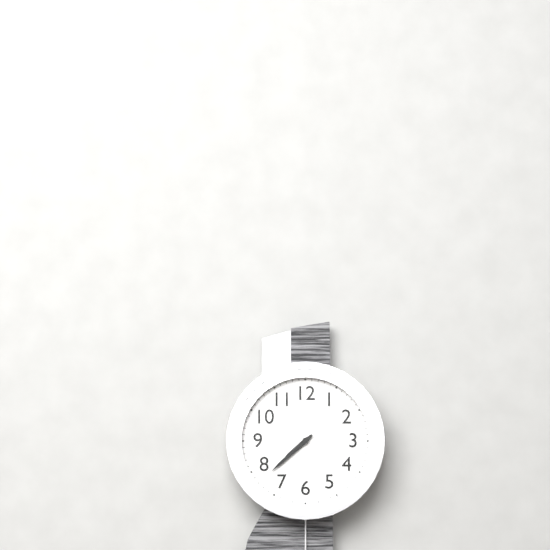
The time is h=7 m=38
